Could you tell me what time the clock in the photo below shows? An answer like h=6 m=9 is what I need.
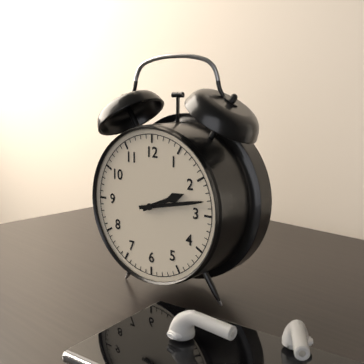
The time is h=2 m=13
